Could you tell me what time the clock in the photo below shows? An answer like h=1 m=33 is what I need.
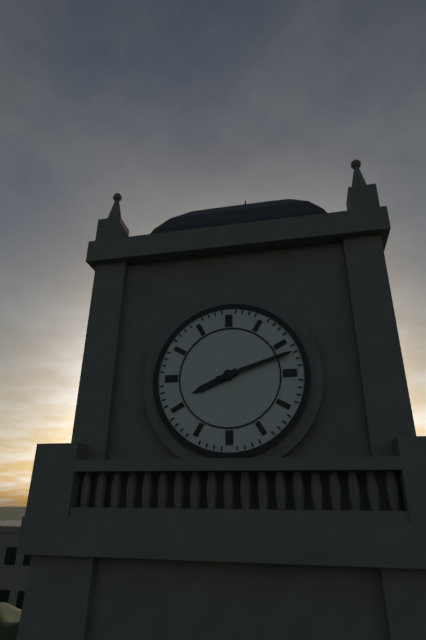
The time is h=8 m=12
